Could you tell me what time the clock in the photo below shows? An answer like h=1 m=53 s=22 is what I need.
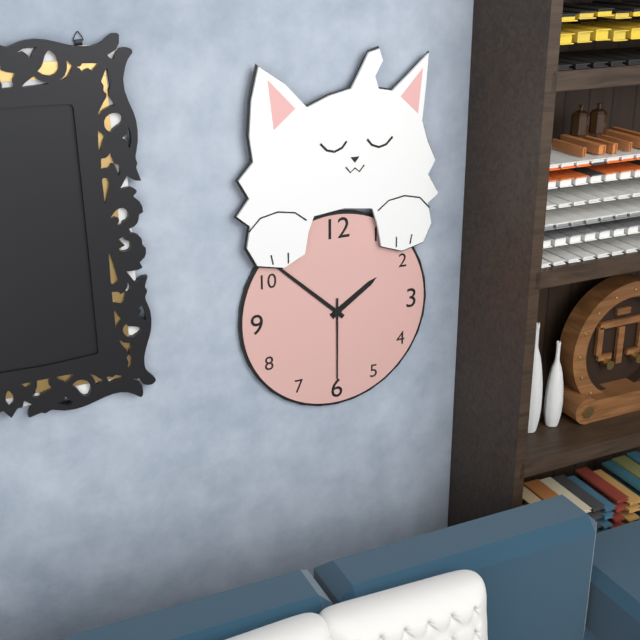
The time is h=1 m=52 s=30
